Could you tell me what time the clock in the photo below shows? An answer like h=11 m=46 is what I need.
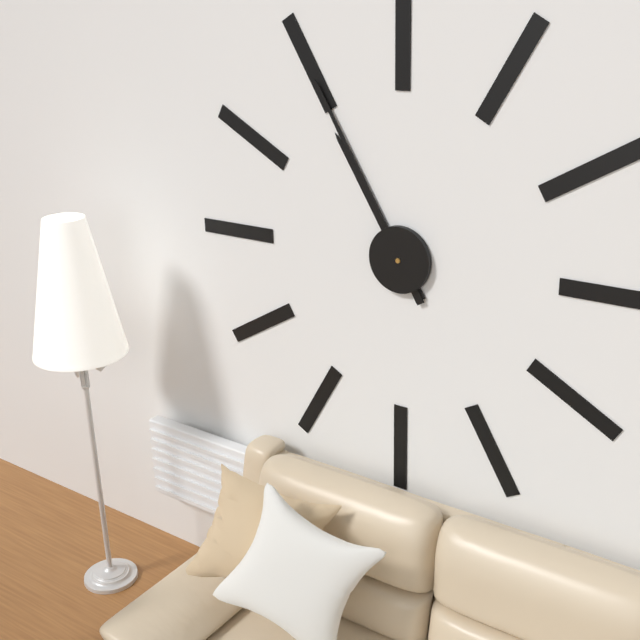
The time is h=10 m=55
